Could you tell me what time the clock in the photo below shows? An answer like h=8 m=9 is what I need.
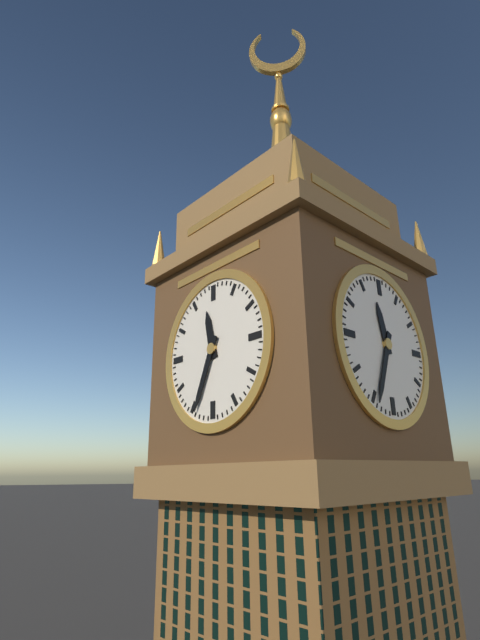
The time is h=11 m=34
